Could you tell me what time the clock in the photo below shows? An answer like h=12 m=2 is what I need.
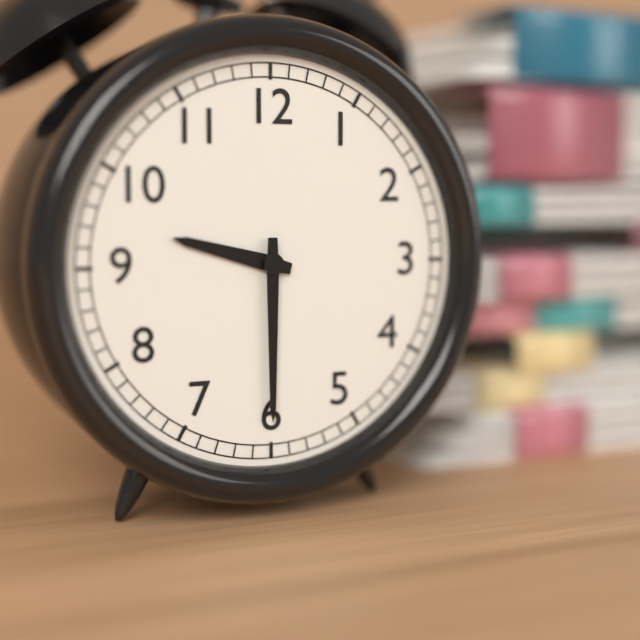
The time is h=9 m=30
